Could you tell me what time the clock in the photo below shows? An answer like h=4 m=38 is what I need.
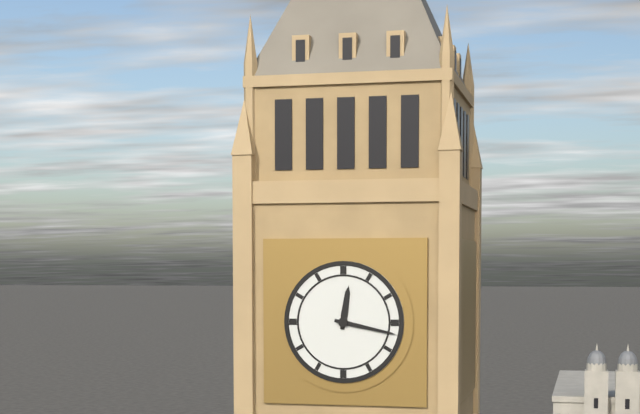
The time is h=12 m=17
